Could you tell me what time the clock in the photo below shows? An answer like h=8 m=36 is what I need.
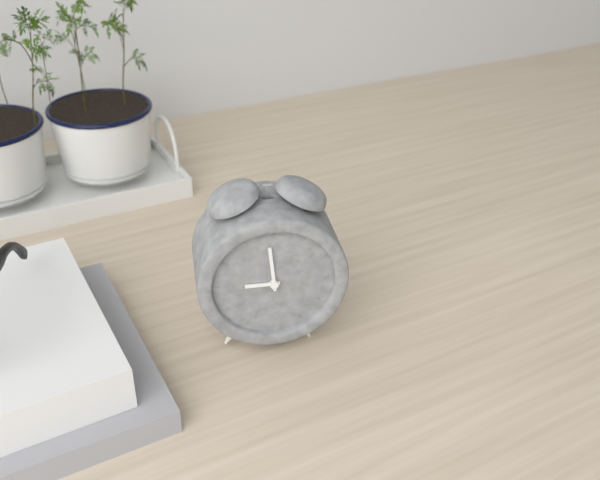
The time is h=8 m=59
